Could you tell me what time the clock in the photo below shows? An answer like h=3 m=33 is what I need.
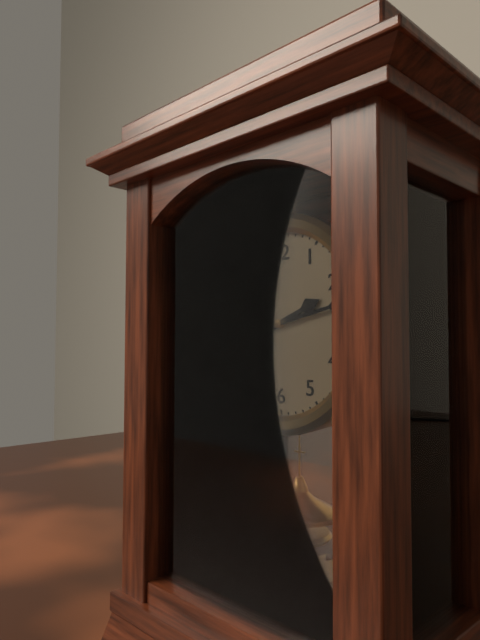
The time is h=2 m=13
